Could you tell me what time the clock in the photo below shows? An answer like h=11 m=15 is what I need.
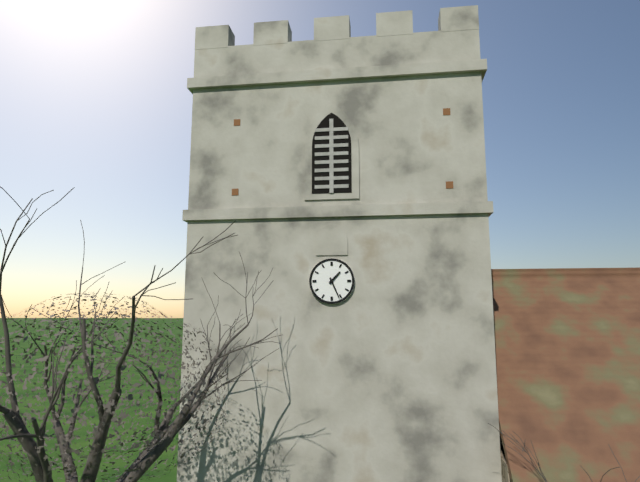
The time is h=1 m=26
